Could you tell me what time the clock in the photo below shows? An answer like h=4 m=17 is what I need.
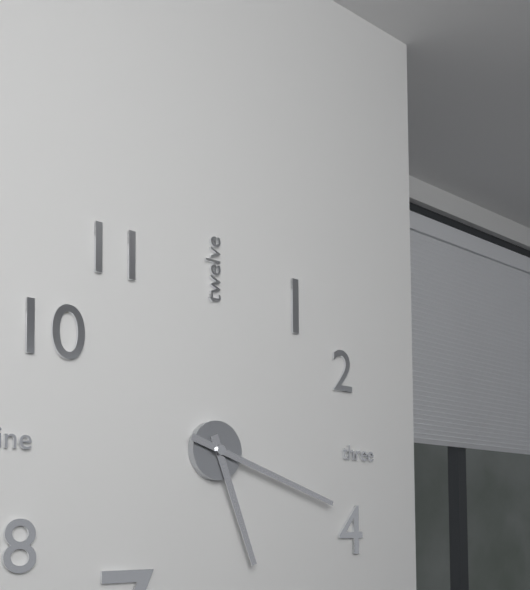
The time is h=5 m=18
